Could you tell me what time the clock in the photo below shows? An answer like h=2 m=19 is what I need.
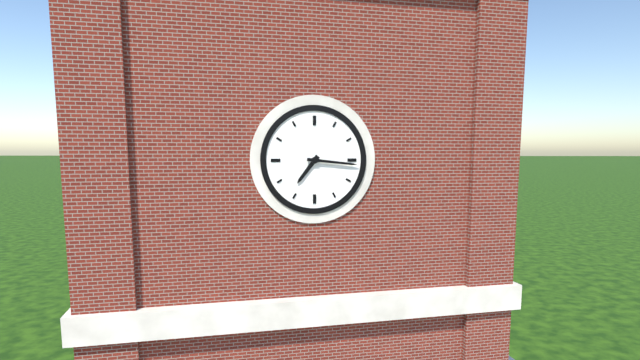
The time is h=7 m=16
